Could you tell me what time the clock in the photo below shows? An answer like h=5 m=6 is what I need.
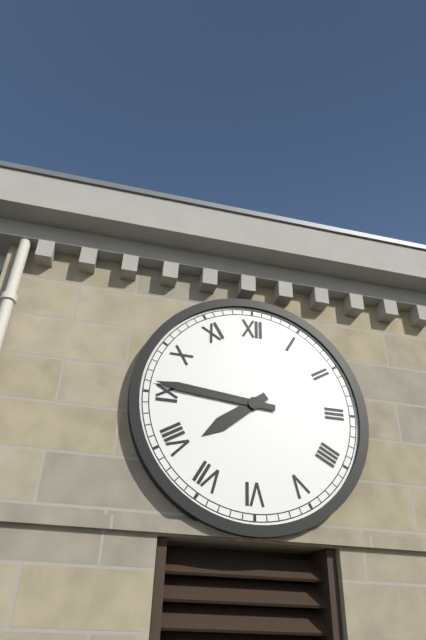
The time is h=7 m=46
